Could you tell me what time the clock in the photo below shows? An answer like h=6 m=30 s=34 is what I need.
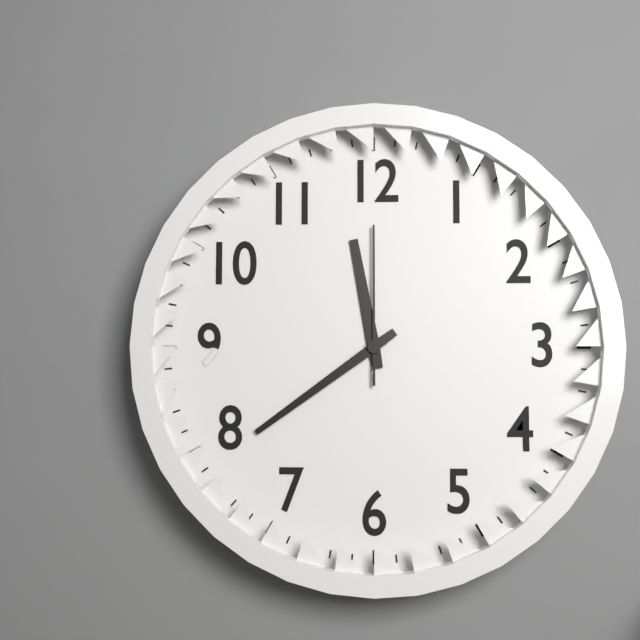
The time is h=11 m=39 s=0
